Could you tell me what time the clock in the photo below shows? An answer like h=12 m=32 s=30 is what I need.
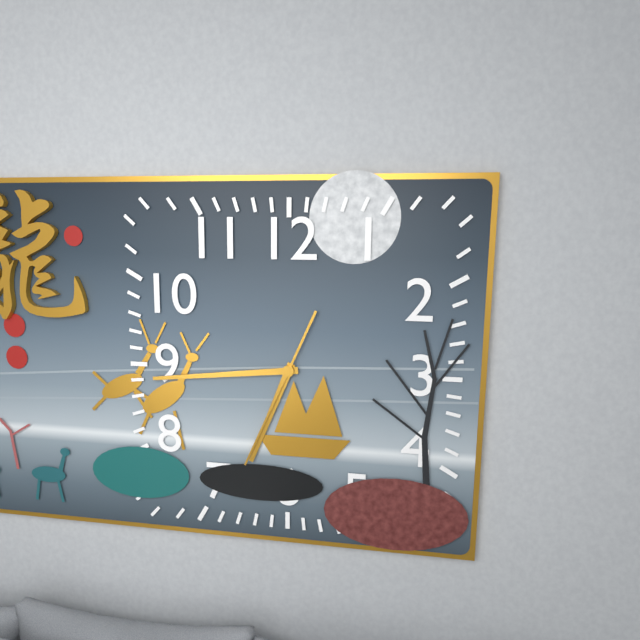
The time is h=6 m=44 s=34
